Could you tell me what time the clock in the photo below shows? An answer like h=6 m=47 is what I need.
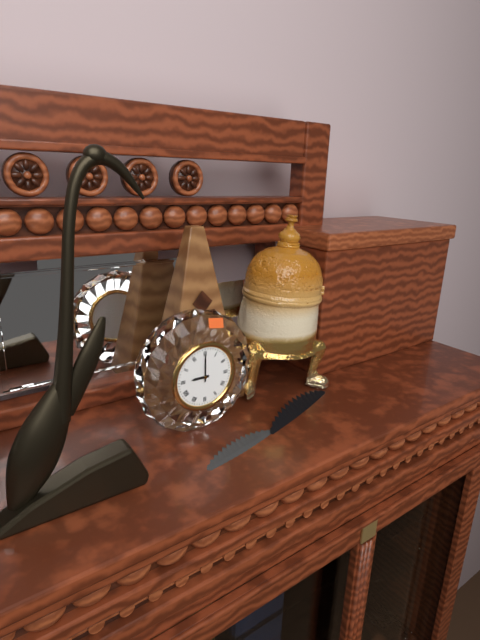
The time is h=9 m=0
